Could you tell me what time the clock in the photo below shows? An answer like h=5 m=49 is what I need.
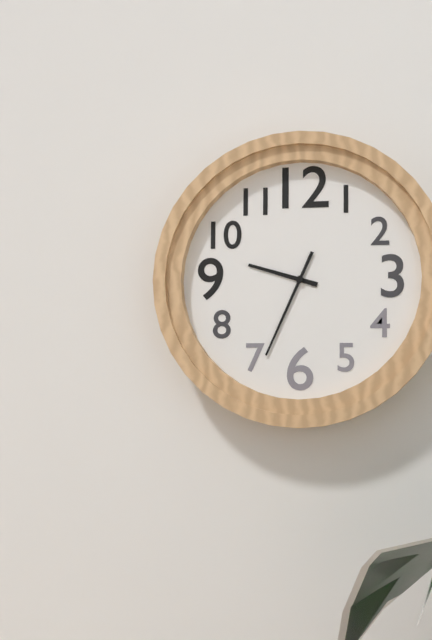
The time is h=9 m=34
